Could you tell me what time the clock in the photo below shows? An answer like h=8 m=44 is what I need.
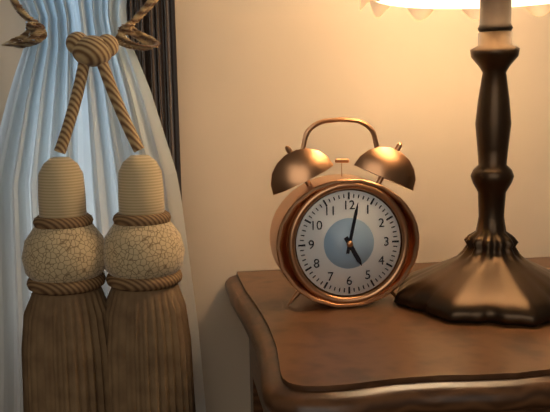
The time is h=5 m=2
